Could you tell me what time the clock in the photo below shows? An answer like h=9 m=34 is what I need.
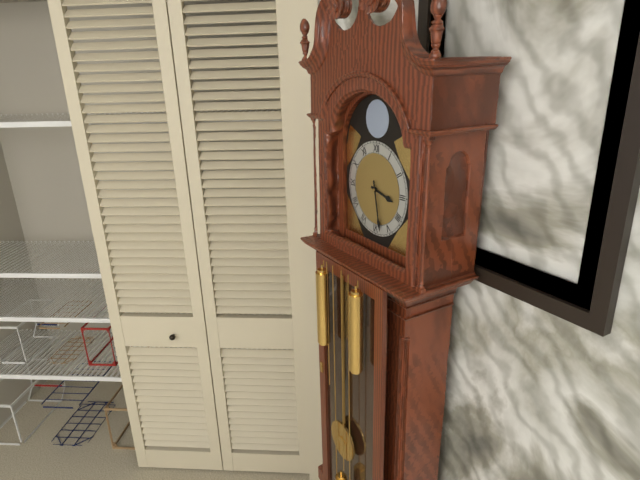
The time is h=3 m=28
